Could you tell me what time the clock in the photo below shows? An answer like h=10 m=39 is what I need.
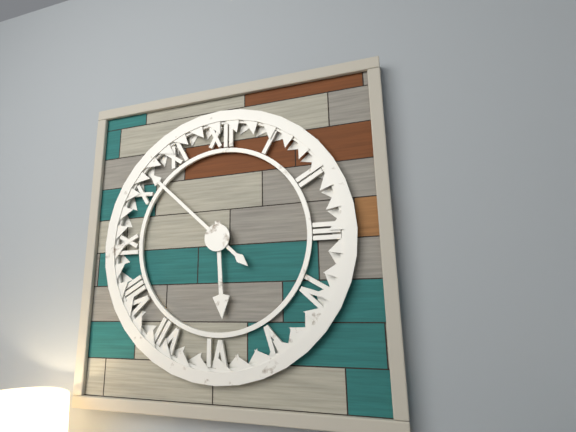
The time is h=5 m=52
